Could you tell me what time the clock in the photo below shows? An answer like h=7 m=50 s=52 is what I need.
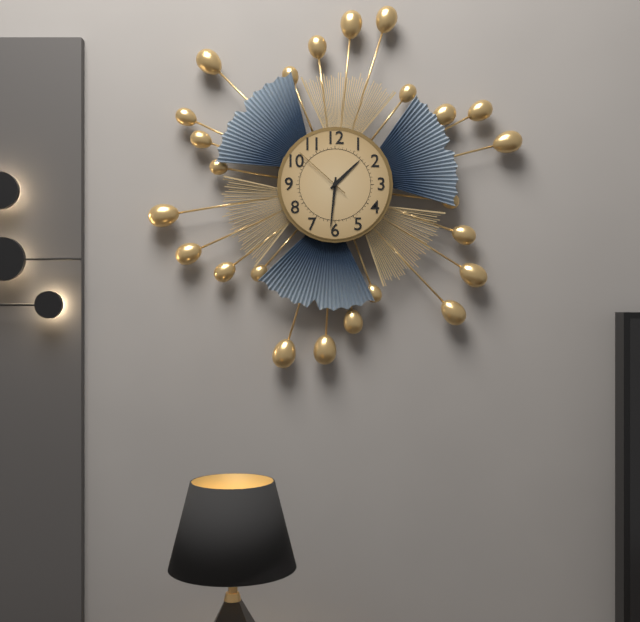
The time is h=1 m=31 s=52
